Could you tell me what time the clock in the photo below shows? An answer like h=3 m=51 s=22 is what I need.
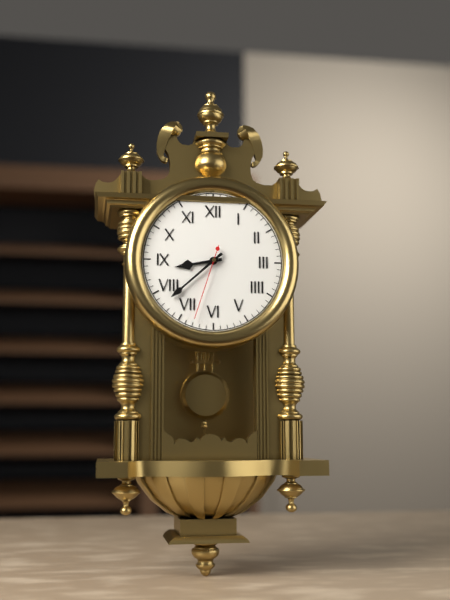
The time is h=8 m=38 s=33
